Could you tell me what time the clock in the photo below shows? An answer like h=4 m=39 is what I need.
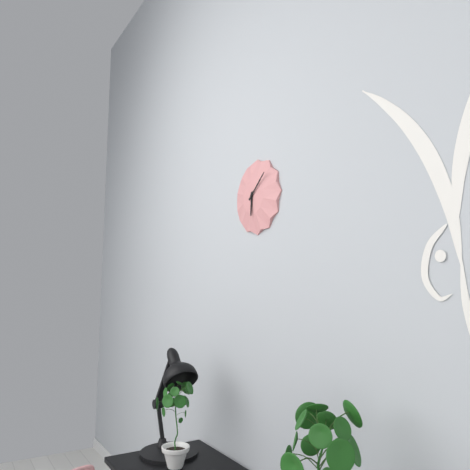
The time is h=6 m=8
